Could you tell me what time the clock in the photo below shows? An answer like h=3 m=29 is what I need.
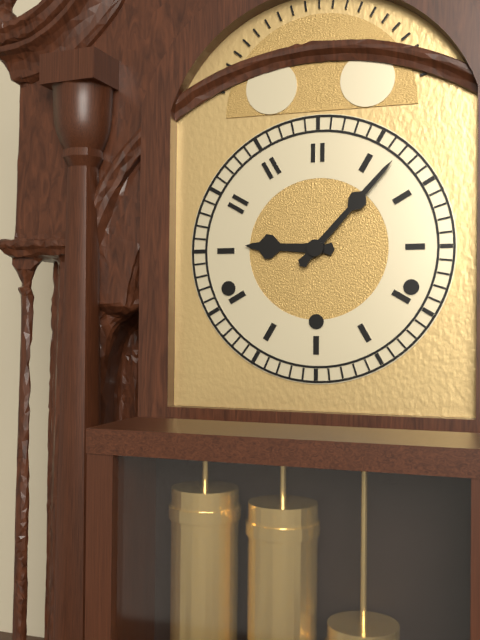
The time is h=9 m=7
